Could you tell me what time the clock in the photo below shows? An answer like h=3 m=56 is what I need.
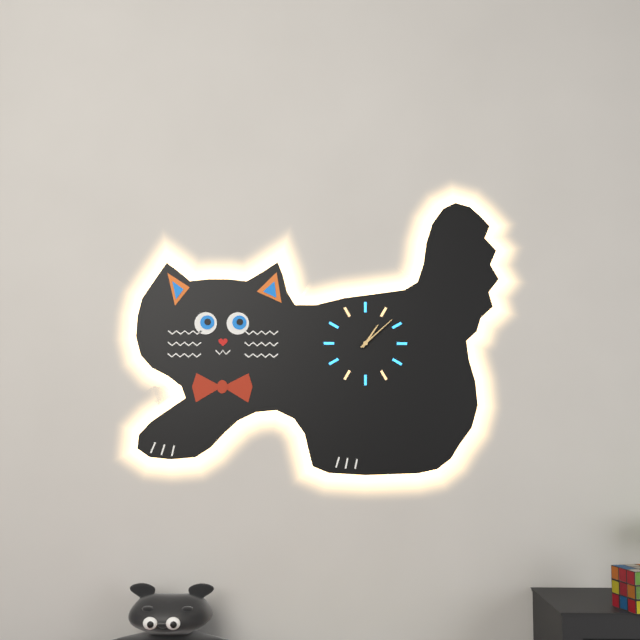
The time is h=1 m=8
